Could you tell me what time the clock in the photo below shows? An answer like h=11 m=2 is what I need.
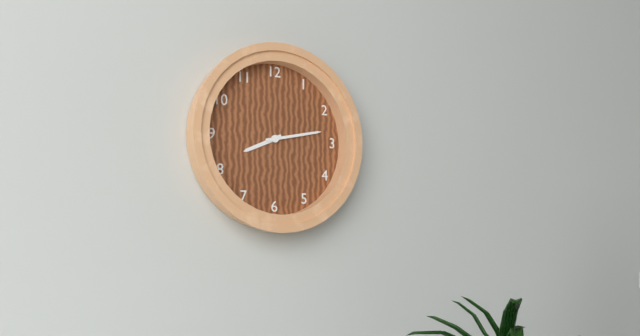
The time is h=8 m=13
